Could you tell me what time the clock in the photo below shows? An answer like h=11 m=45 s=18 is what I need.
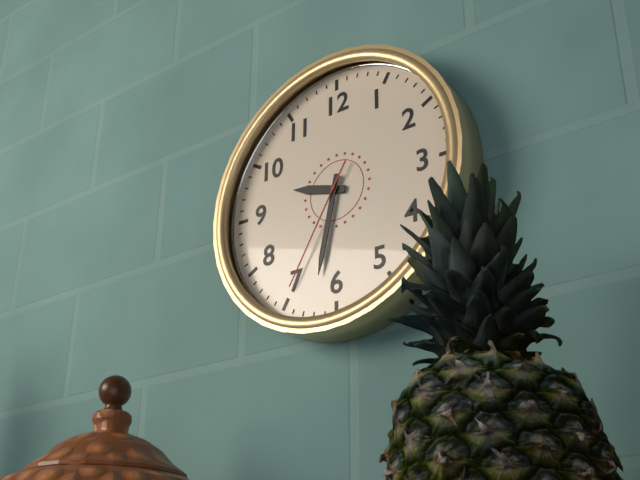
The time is h=9 m=32 s=35
